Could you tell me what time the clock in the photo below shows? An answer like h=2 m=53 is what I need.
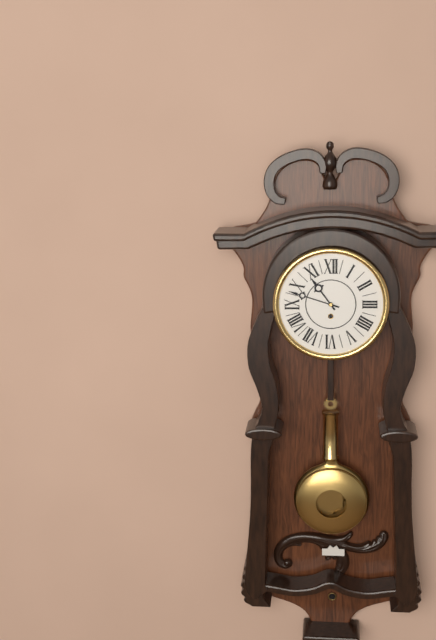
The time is h=10 m=48
